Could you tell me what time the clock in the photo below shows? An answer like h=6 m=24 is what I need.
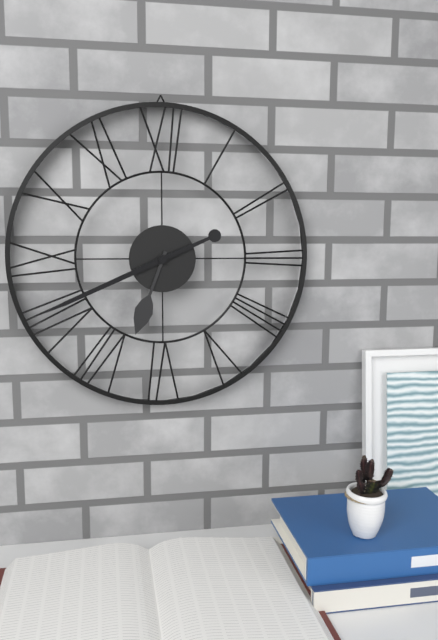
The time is h=6 m=41
